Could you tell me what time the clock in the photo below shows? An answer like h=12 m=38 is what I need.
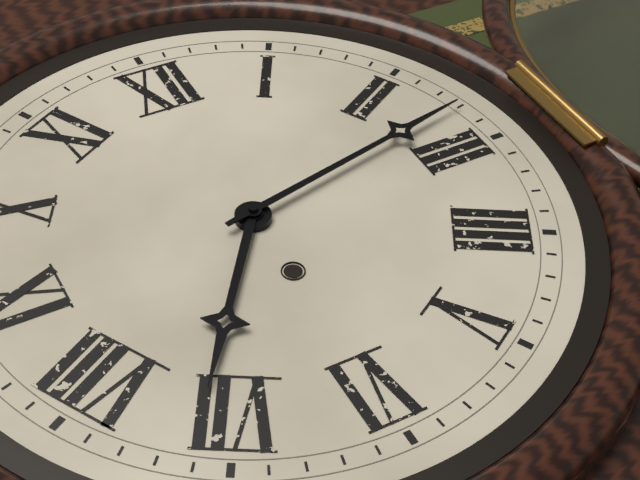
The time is h=7 m=13
